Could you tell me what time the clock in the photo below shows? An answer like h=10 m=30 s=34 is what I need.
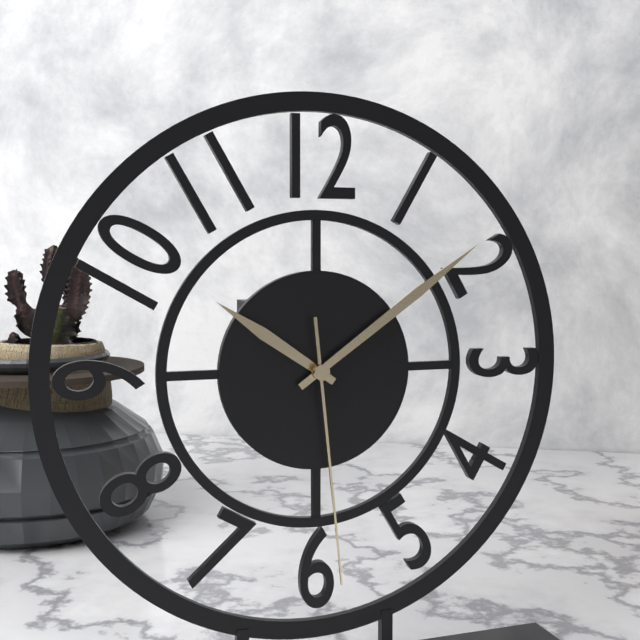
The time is h=10 m=9 s=29
